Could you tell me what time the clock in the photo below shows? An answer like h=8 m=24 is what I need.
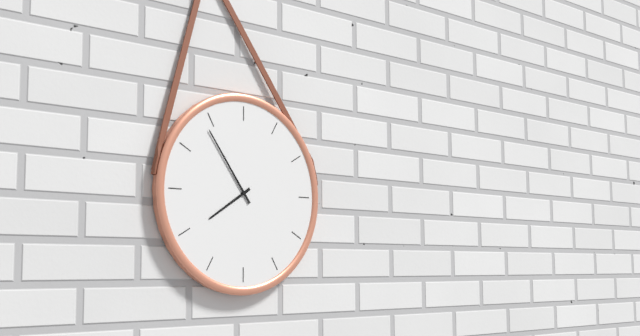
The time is h=7 m=54
